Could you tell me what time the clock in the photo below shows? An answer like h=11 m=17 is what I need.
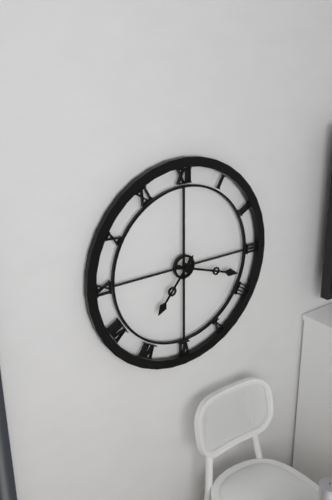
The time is h=7 m=18
